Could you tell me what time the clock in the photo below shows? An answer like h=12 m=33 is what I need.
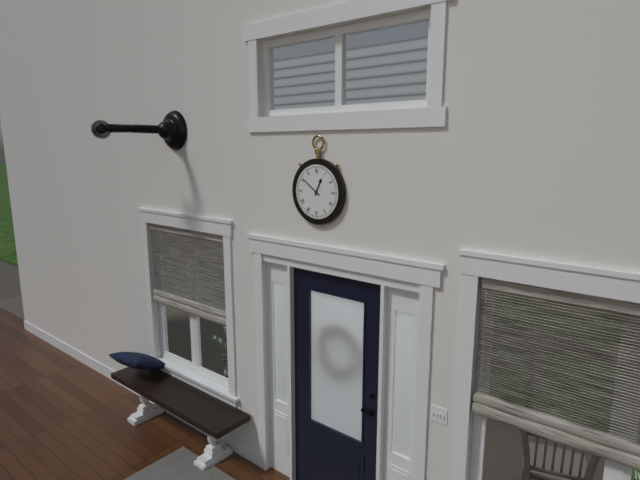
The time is h=12 m=51
